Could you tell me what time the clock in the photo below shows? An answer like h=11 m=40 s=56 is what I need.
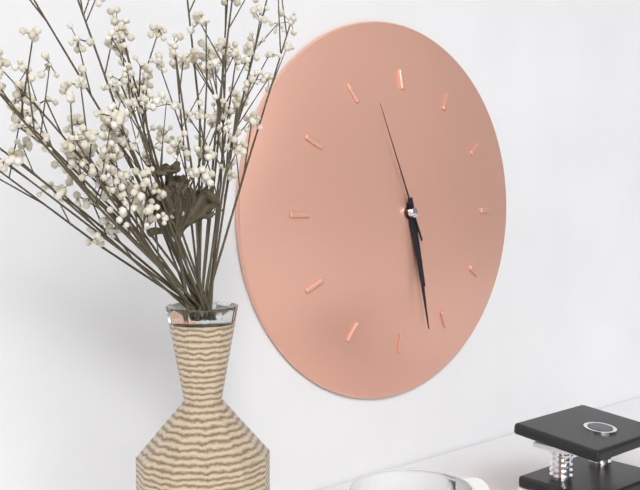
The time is h=5 m=28 s=56
